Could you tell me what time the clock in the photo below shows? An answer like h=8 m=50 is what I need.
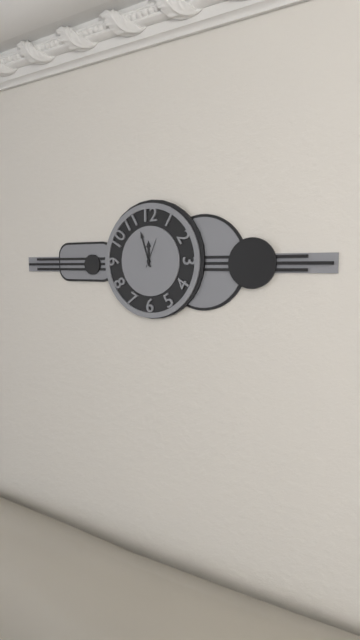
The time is h=11 m=57
